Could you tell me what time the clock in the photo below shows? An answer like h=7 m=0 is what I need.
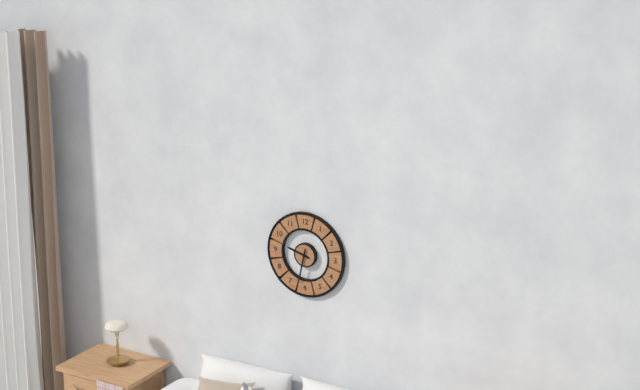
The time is h=9 m=32
